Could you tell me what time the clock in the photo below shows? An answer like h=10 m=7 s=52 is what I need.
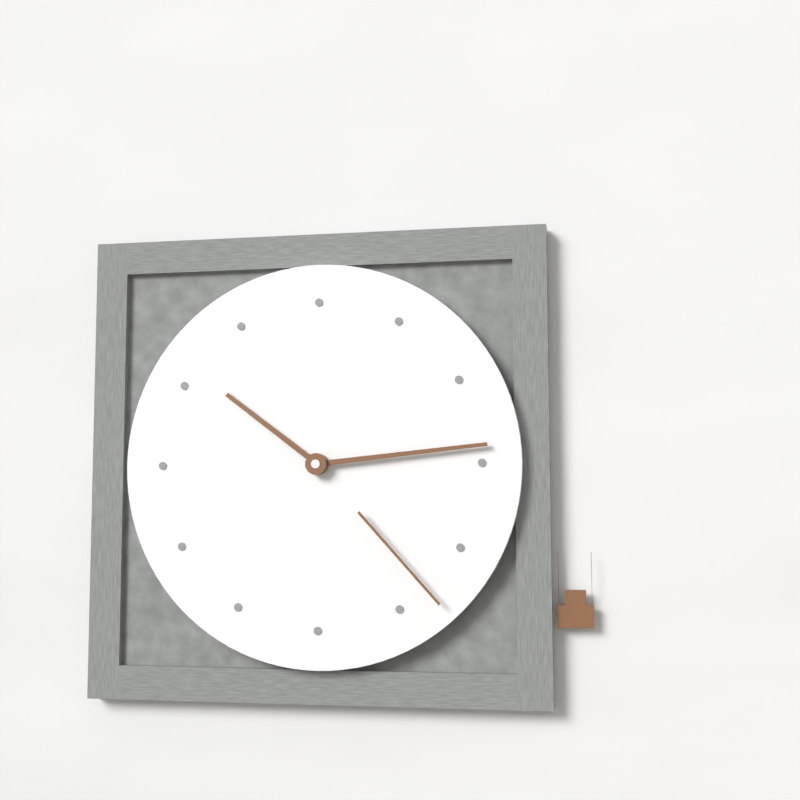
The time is h=10 m=14 s=23
